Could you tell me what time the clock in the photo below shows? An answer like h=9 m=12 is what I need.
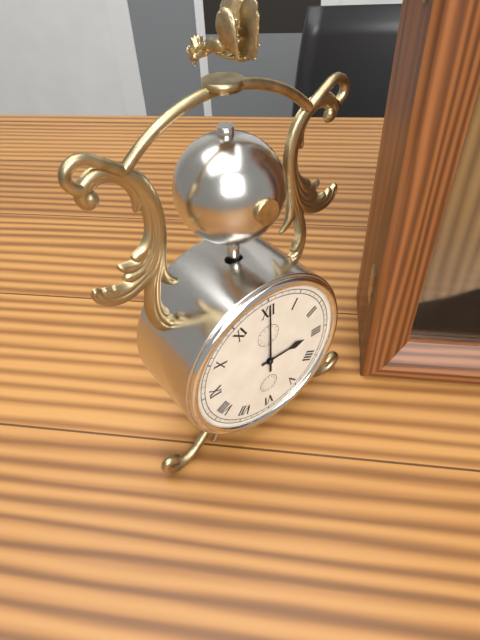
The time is h=3 m=0
